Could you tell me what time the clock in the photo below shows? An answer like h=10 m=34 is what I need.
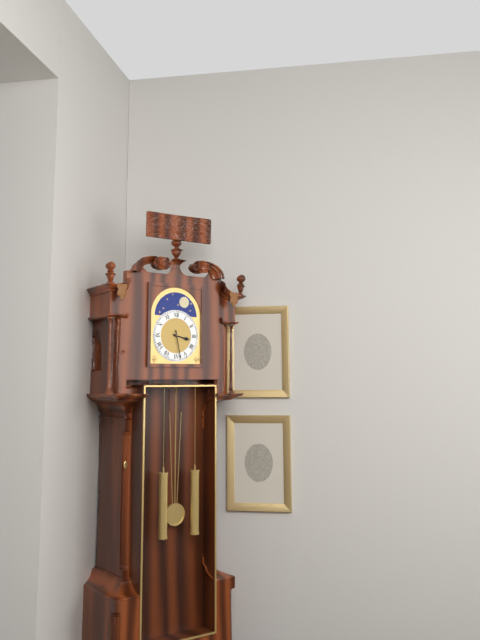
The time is h=3 m=28
